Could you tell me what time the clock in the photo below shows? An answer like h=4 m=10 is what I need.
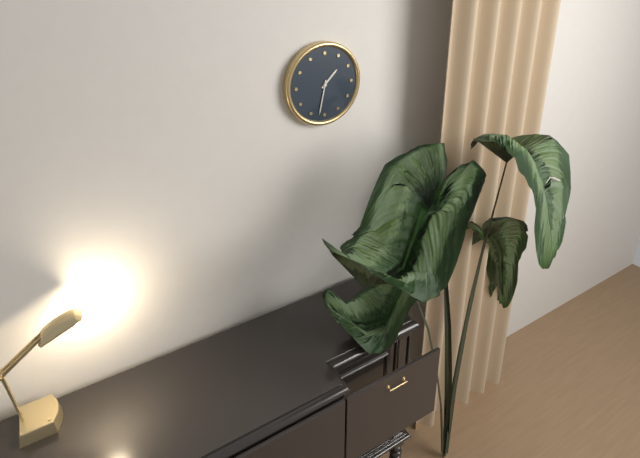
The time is h=1 m=32
